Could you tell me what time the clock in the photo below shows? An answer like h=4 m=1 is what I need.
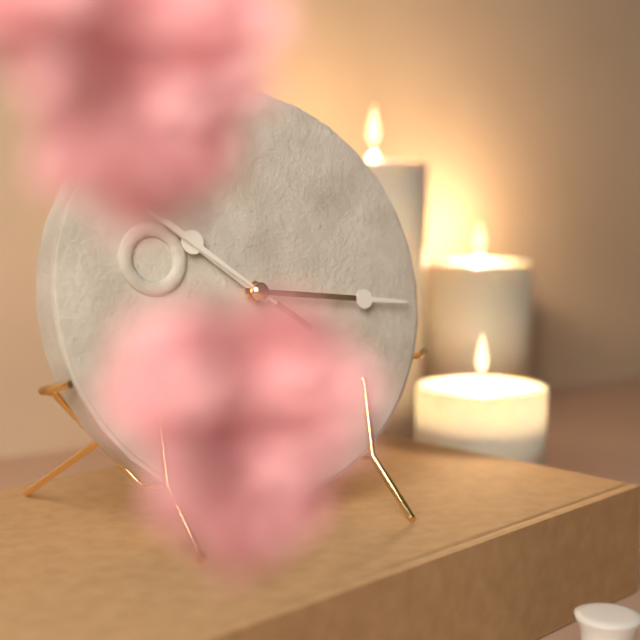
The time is h=10 m=16
